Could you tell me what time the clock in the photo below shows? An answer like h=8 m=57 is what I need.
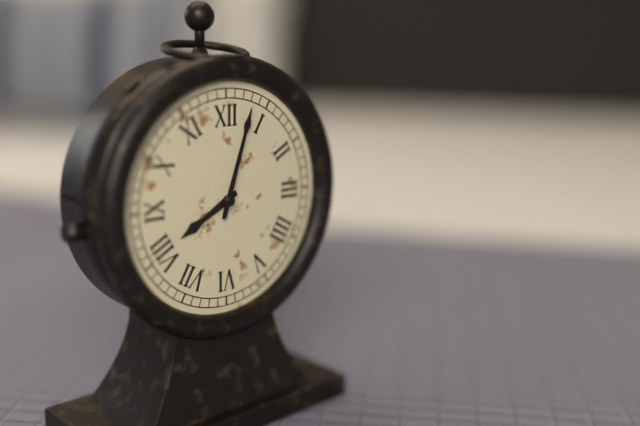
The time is h=8 m=3
